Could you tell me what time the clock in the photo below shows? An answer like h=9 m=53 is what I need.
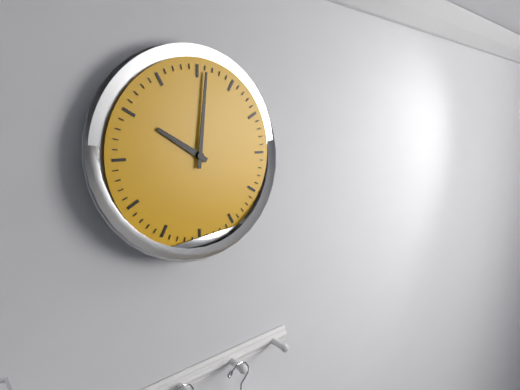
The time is h=10 m=1
